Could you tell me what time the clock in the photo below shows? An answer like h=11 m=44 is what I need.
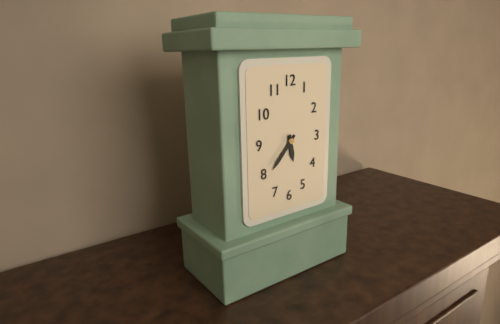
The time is h=5 m=37
